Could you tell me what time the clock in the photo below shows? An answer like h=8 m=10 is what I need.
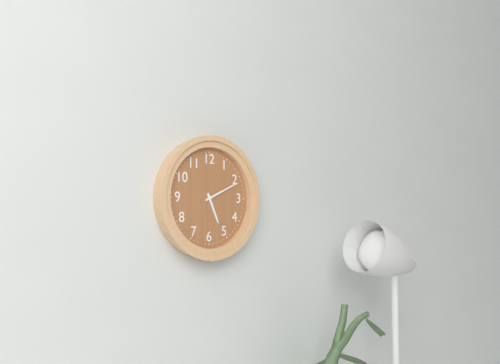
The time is h=5 m=11
